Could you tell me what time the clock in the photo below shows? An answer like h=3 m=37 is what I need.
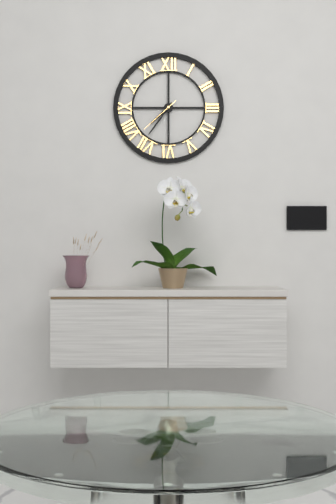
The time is h=7 m=36
